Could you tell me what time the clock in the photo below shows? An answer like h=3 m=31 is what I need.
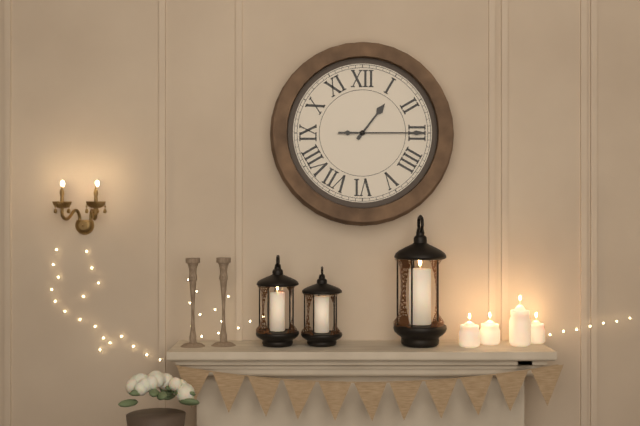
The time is h=1 m=15
